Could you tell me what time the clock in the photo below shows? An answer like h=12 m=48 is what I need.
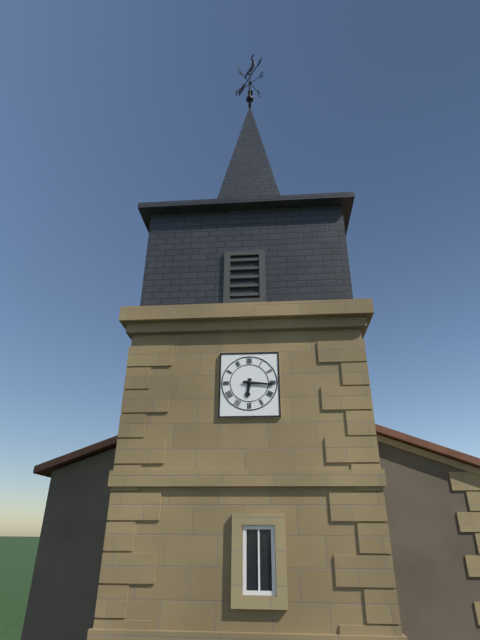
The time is h=6 m=16
